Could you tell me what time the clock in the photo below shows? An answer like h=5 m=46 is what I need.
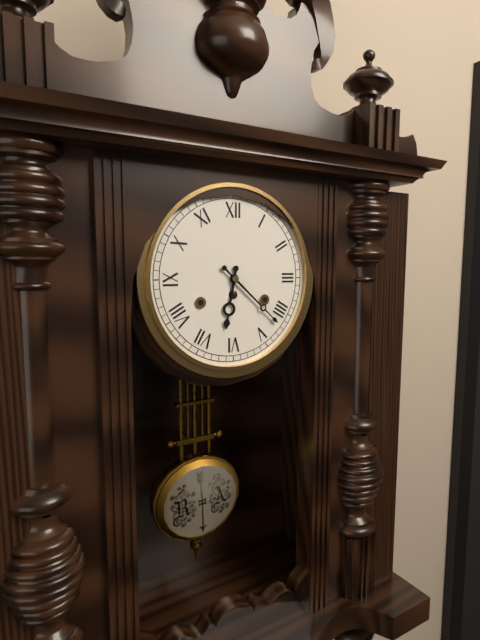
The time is h=6 m=22
